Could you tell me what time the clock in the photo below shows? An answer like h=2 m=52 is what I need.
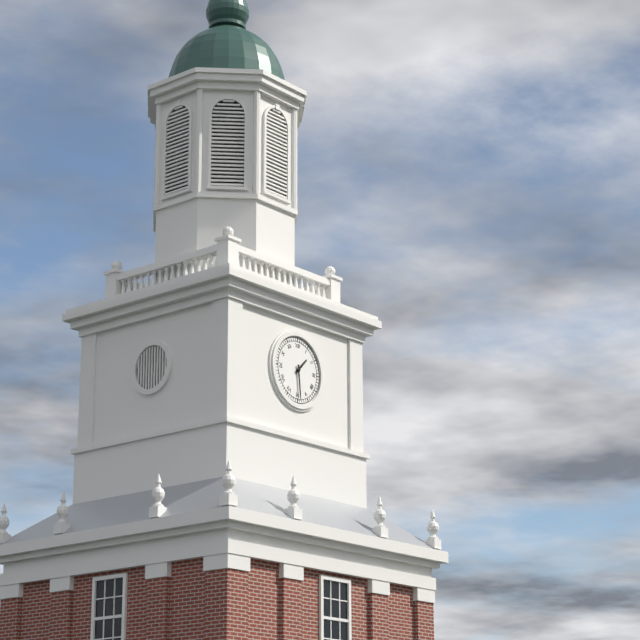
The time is h=1 m=29
